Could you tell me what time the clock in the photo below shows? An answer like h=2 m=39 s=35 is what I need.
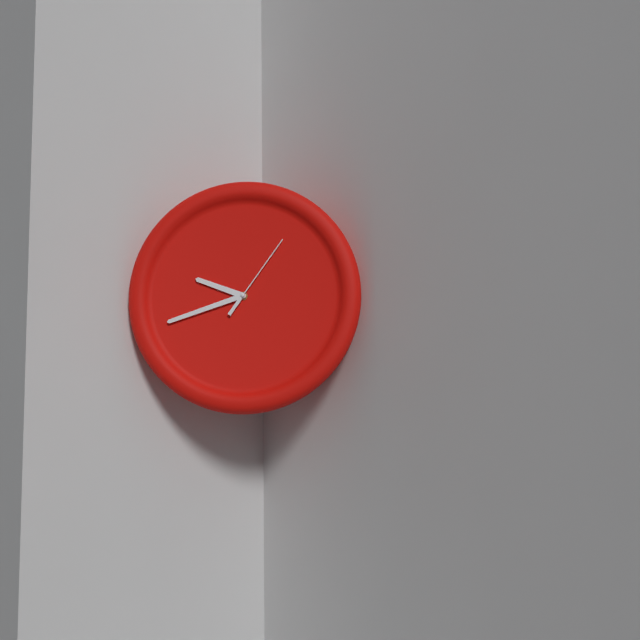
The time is h=9 m=42 s=6
